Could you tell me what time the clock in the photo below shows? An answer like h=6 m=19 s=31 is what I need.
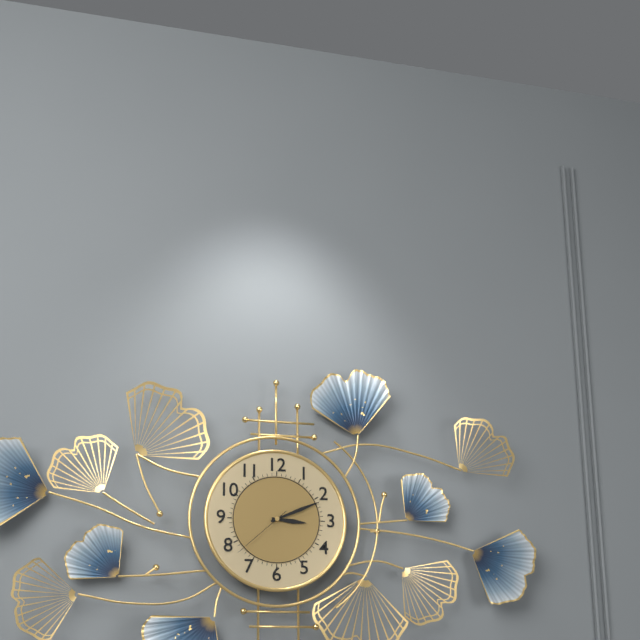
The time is h=3 m=11 s=38
